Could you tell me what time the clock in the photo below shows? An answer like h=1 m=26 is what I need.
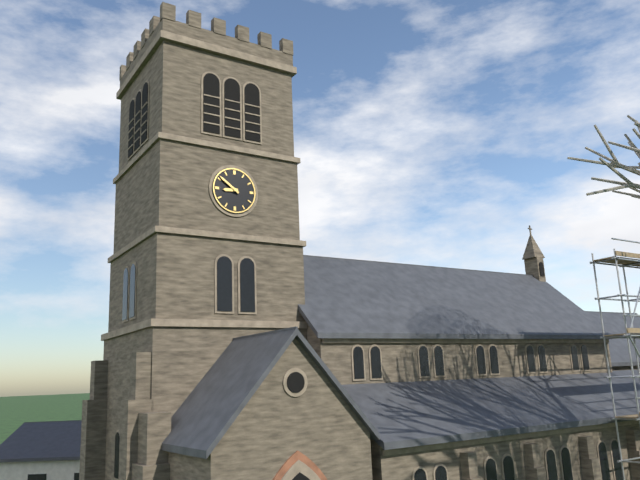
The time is h=8 m=51
